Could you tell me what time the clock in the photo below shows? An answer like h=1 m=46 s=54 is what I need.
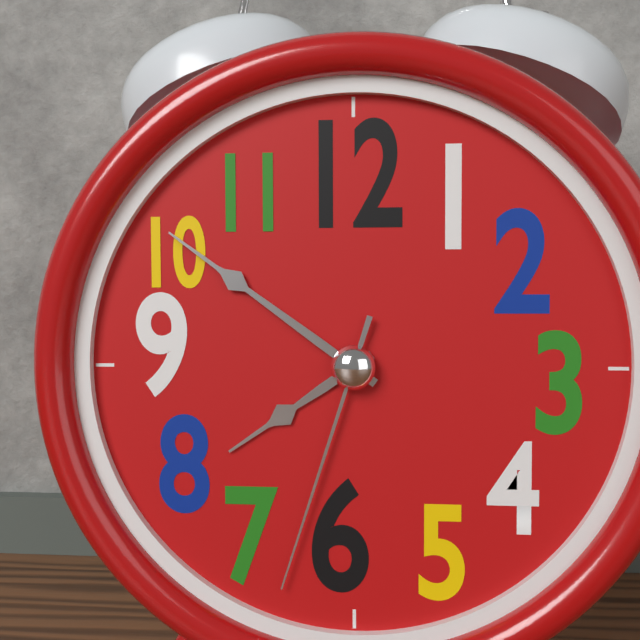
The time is h=7 m=51 s=33
